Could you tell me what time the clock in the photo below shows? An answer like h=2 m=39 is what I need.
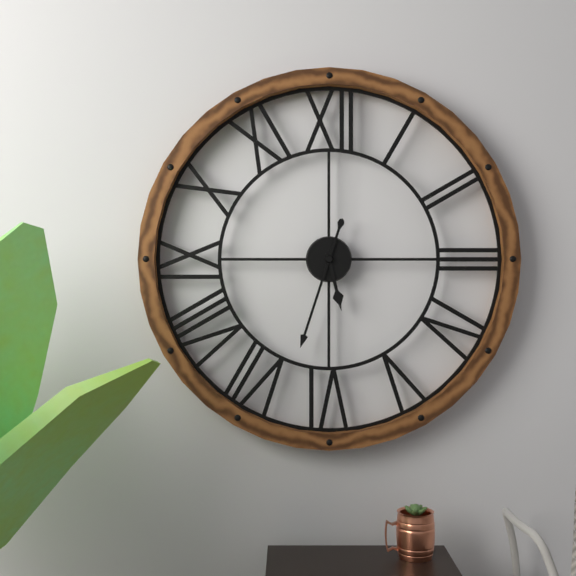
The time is h=5 m=33
